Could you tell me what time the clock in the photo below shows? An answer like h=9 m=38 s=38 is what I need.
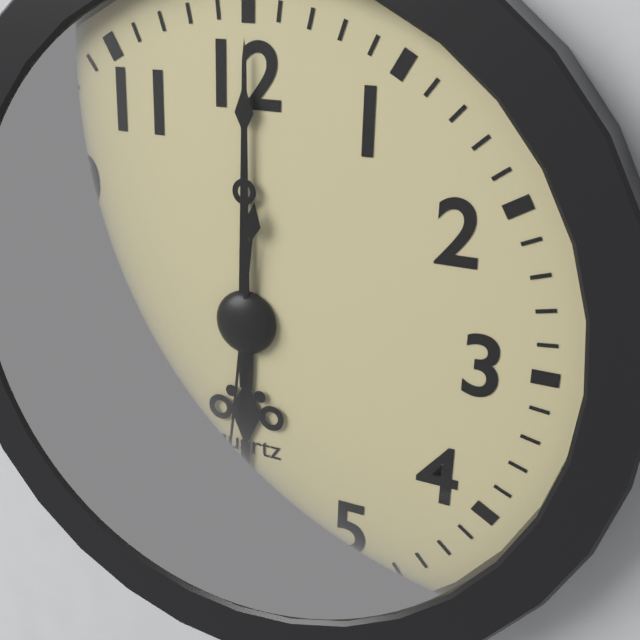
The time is h=6 m=0 s=31
